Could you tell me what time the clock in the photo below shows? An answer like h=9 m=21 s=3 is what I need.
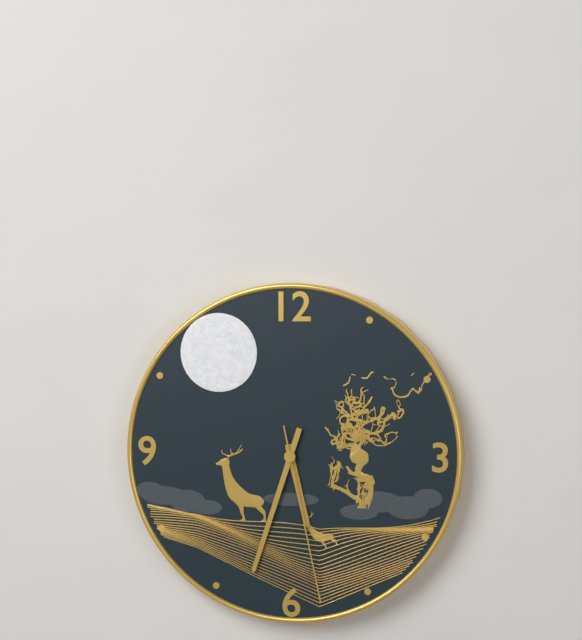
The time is h=5 m=33 s=28
